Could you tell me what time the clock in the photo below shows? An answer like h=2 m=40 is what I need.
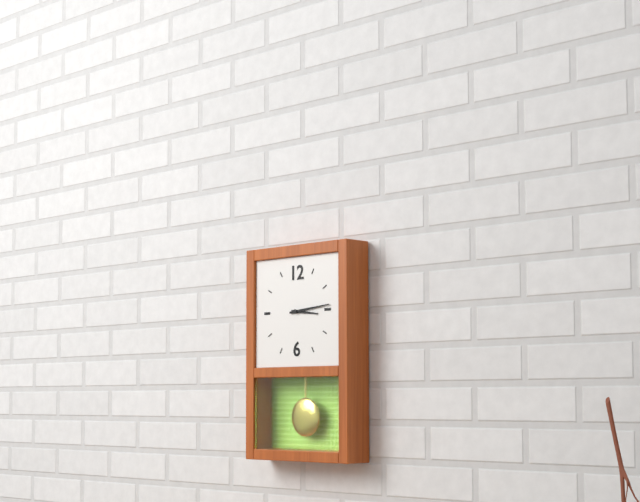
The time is h=3 m=14
